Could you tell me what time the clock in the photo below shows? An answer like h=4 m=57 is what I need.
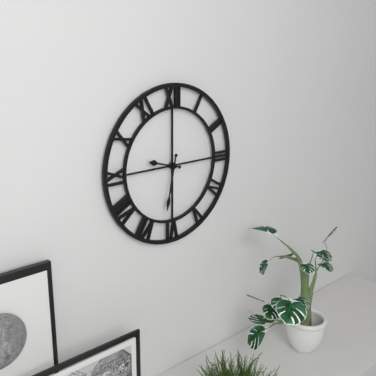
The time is h=9 m=32
